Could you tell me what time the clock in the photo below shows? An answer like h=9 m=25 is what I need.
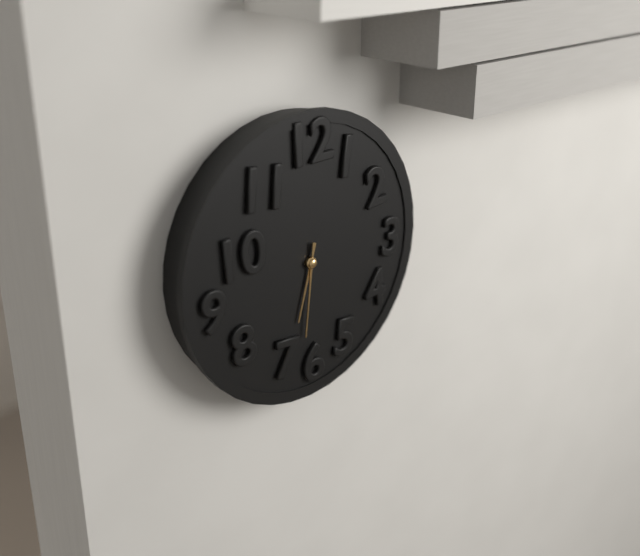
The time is h=6 m=31
